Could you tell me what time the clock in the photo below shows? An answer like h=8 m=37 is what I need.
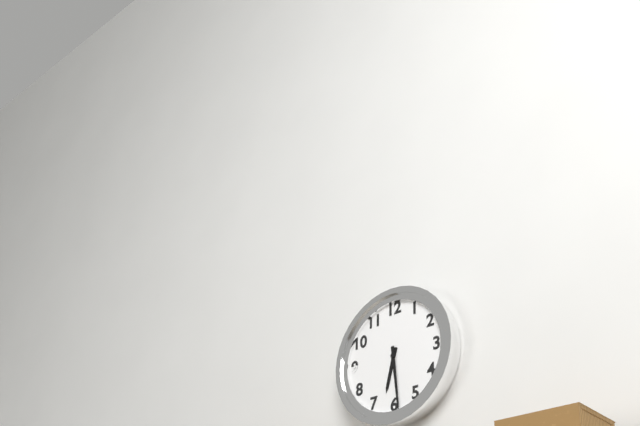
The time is h=6 m=29
